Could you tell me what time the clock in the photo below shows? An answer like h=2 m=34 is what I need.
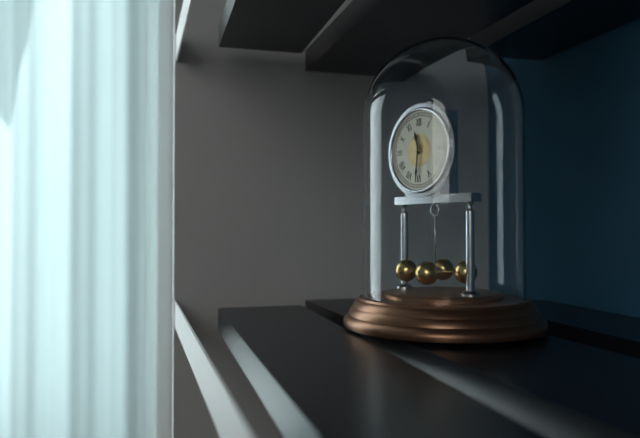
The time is h=11 m=31
